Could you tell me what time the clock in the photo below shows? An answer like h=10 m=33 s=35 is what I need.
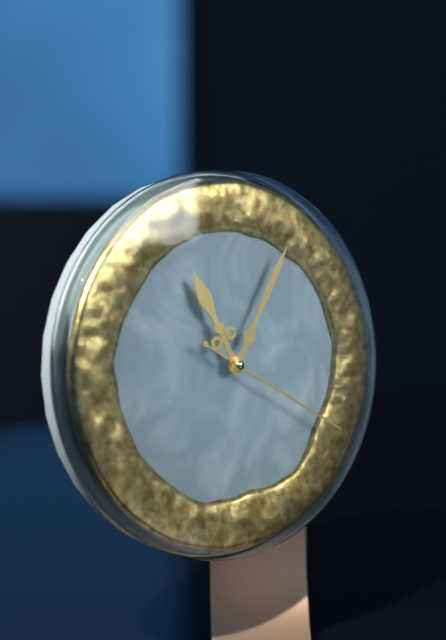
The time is h=11 m=5 s=20
